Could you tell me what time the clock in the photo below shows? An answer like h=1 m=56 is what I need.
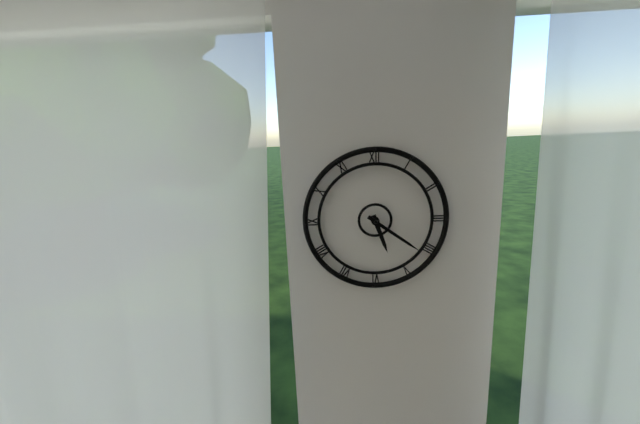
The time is h=5 m=21
